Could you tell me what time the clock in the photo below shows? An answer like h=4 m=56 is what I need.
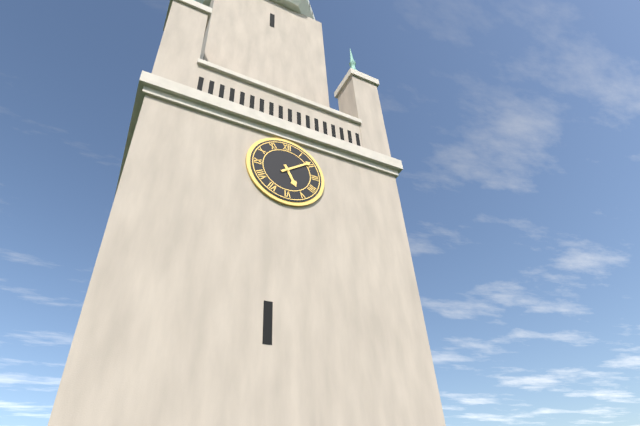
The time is h=5 m=9
